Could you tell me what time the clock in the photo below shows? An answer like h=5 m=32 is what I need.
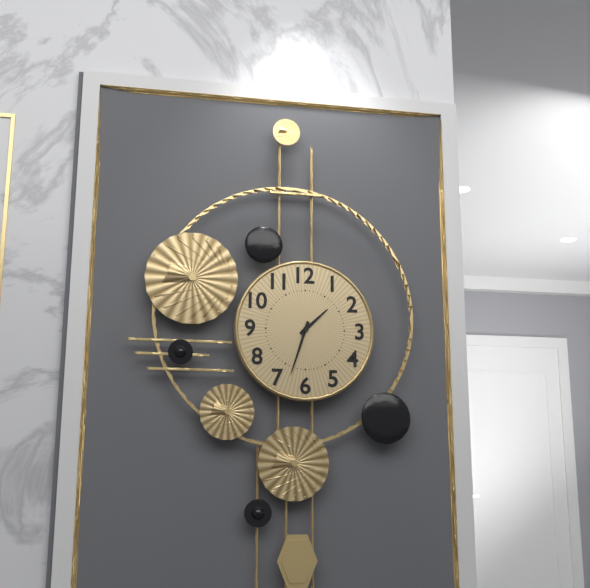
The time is h=1 m=33
